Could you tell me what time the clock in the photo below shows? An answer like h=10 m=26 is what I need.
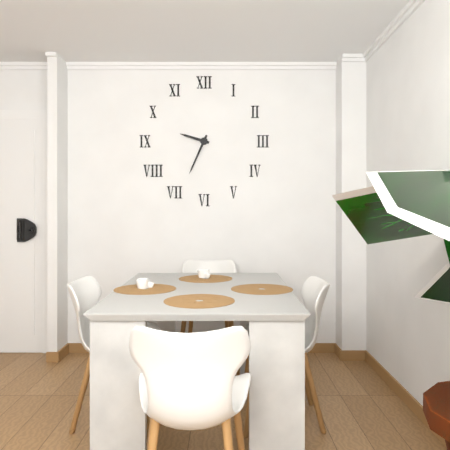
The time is h=9 m=34
